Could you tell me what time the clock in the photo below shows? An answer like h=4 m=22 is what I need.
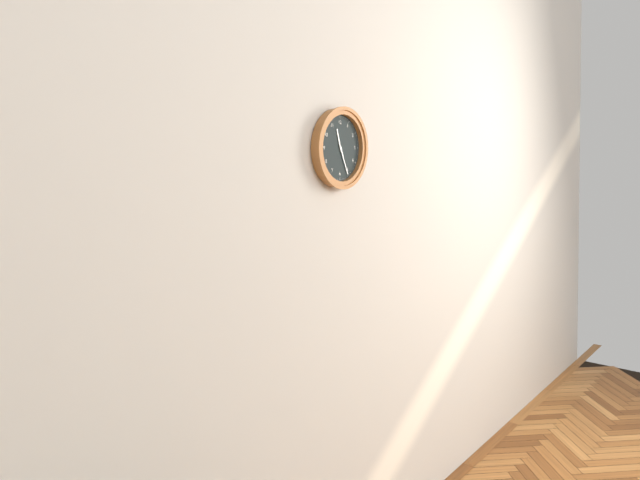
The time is h=11 m=26
